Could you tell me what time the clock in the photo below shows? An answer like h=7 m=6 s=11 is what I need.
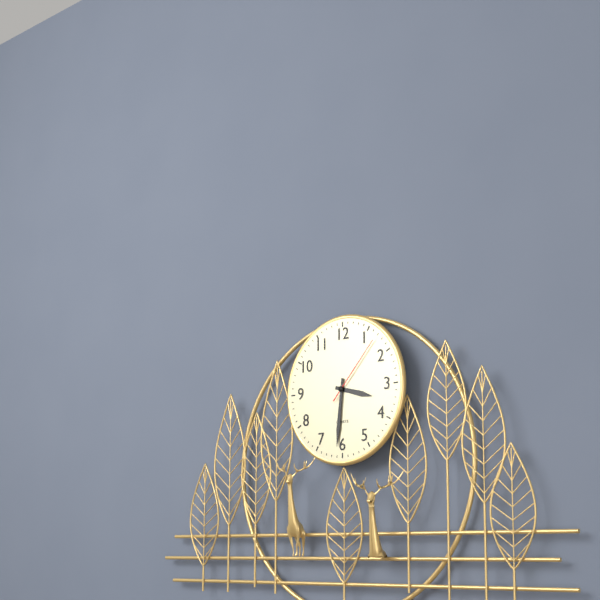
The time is h=3 m=31 s=7
